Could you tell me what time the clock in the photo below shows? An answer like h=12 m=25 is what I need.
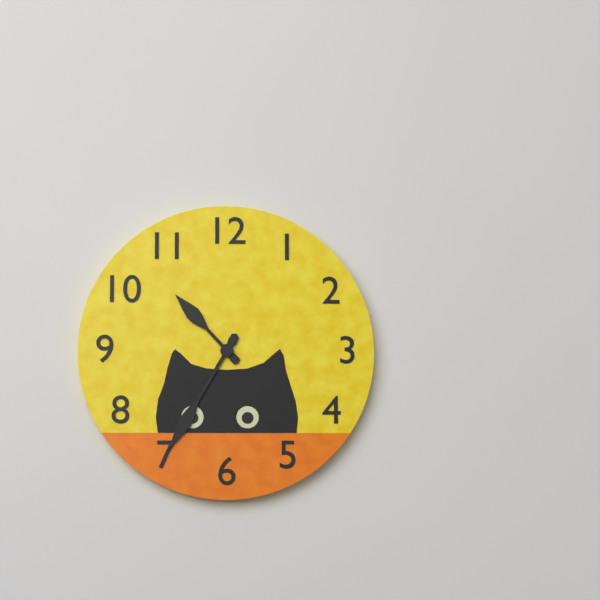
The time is h=10 m=35
